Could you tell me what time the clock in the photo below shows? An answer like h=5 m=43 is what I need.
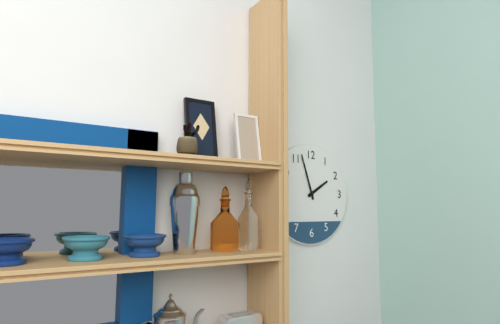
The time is h=1 m=57
